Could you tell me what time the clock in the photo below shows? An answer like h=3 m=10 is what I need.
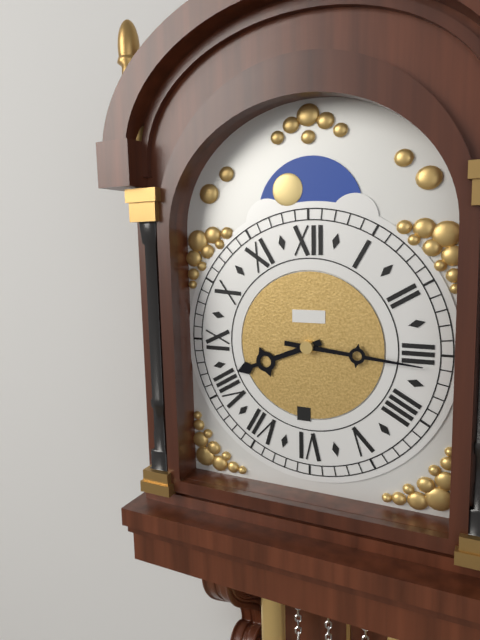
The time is h=8 m=16
